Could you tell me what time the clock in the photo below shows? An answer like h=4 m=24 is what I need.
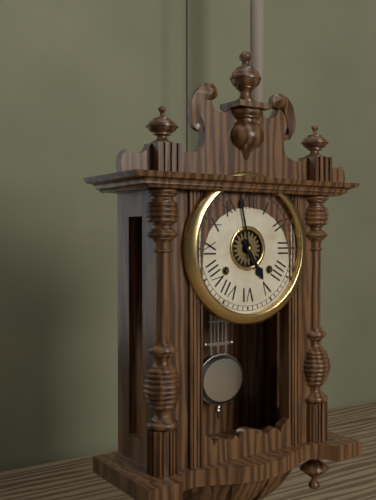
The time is h=4 m=58
